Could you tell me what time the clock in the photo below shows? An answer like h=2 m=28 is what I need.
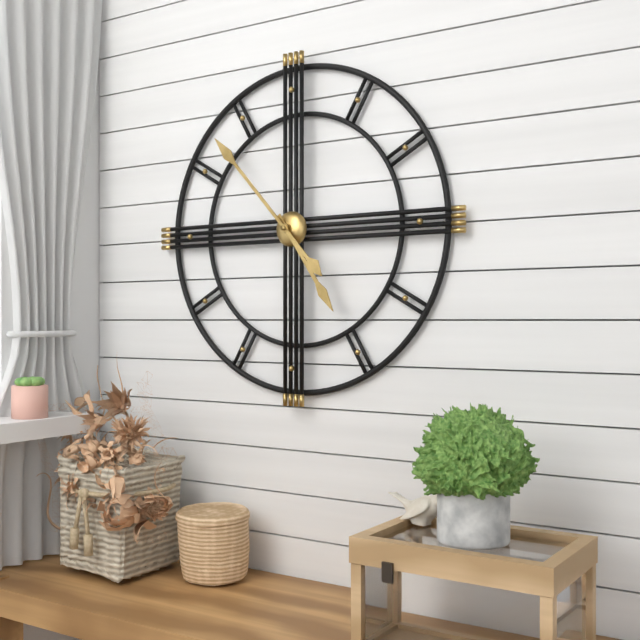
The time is h=4 m=53
